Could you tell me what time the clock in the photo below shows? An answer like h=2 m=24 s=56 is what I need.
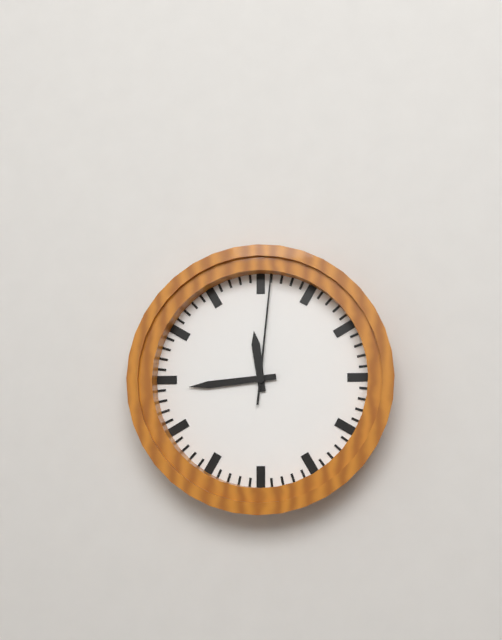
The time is h=11 m=44 s=1
